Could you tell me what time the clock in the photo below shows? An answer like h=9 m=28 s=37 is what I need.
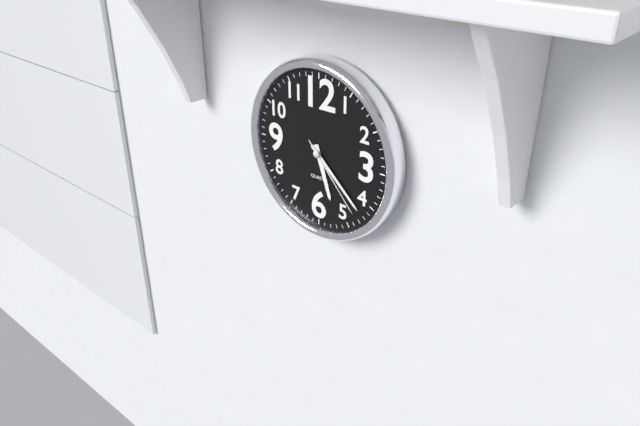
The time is h=5 m=22 s=23
